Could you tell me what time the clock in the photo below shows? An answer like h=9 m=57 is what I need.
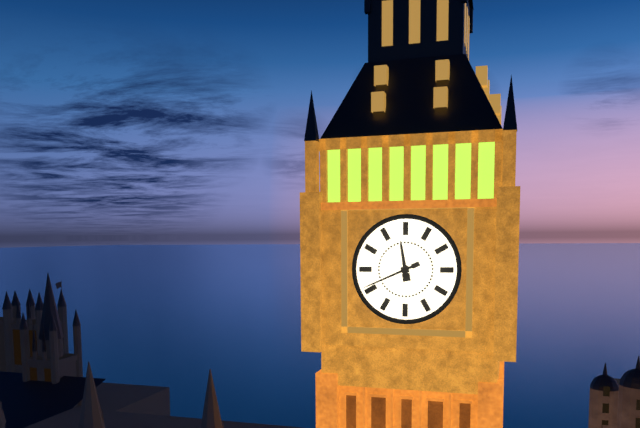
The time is h=11 m=41
